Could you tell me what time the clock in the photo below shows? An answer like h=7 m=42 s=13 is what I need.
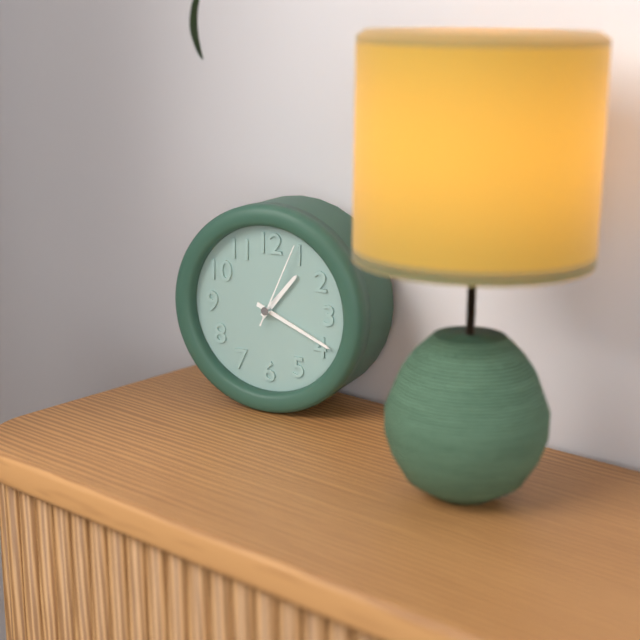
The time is h=1 m=19 s=4
